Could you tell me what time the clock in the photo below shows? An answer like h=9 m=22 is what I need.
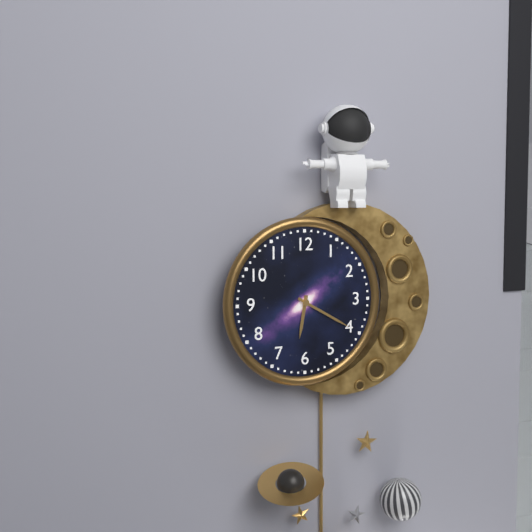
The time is h=6 m=20
